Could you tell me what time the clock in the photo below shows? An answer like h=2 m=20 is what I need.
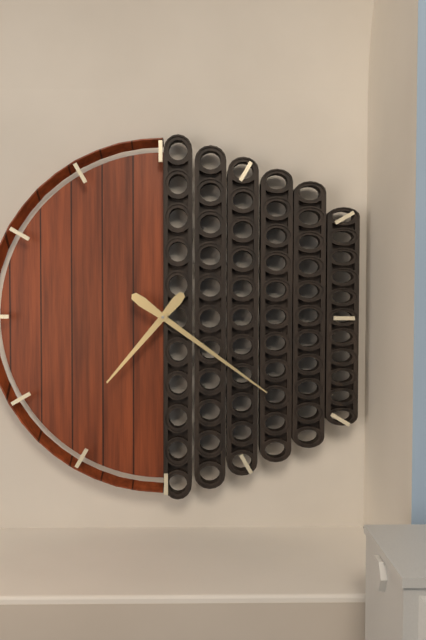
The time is h=7 m=21
